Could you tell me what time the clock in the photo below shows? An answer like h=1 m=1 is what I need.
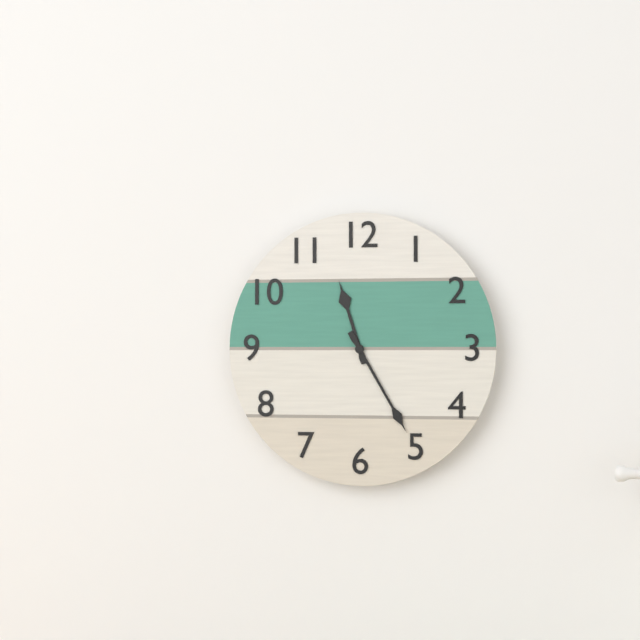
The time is h=11 m=25
